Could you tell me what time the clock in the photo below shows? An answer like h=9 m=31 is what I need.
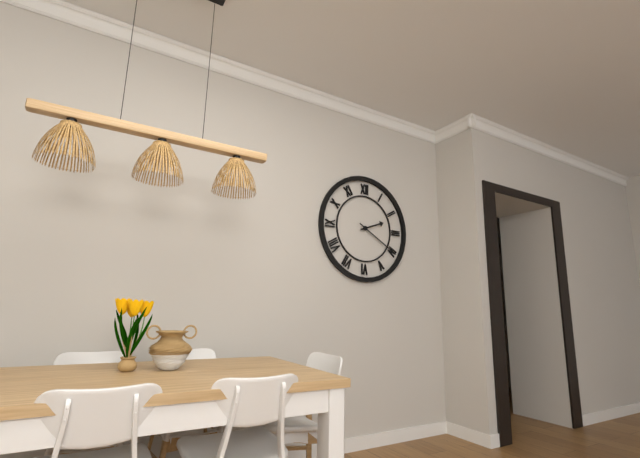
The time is h=2 m=20
